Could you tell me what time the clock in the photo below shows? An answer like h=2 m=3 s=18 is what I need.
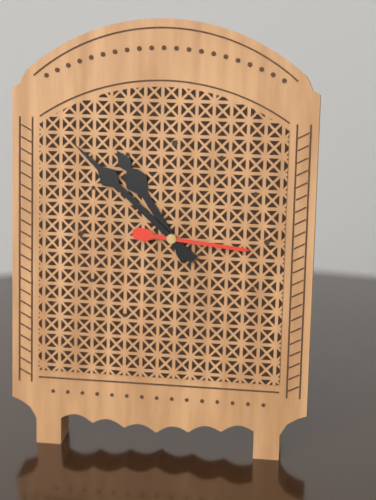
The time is h=10 m=52 s=16
